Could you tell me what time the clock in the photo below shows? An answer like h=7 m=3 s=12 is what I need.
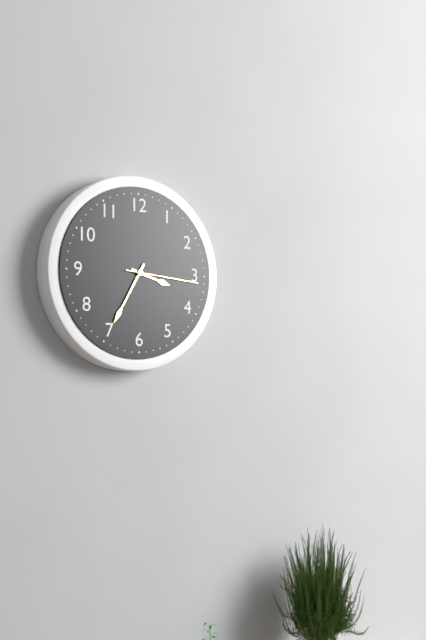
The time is h=3 m=35 s=16
